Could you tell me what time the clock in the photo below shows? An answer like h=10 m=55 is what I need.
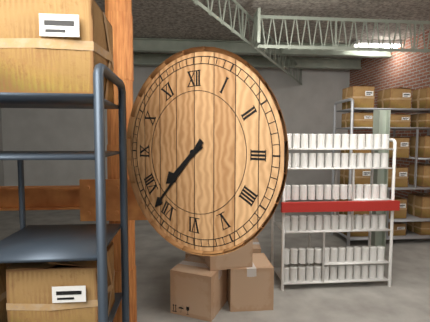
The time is h=7 m=37
